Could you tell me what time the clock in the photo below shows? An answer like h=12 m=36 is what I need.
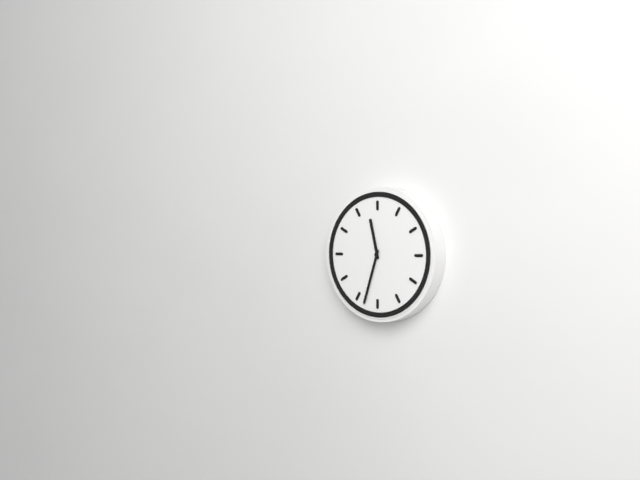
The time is h=11 m=33
